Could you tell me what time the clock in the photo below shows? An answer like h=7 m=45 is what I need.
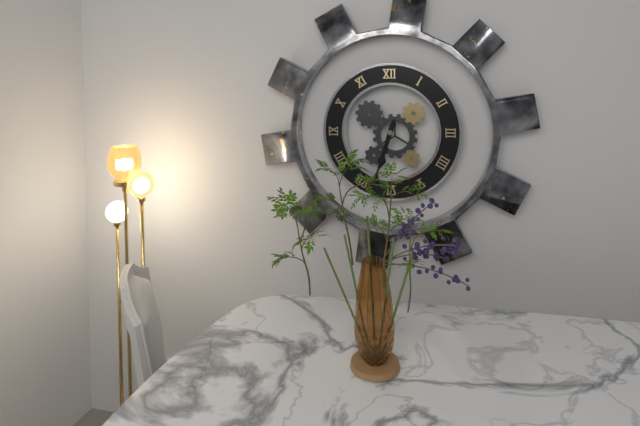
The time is h=6 m=33
